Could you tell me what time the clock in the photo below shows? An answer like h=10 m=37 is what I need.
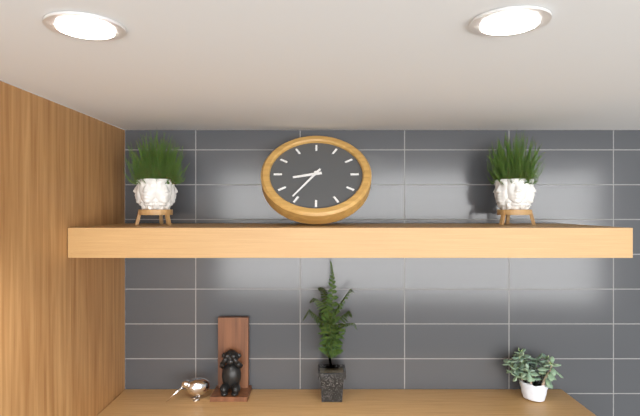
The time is h=8 m=36
